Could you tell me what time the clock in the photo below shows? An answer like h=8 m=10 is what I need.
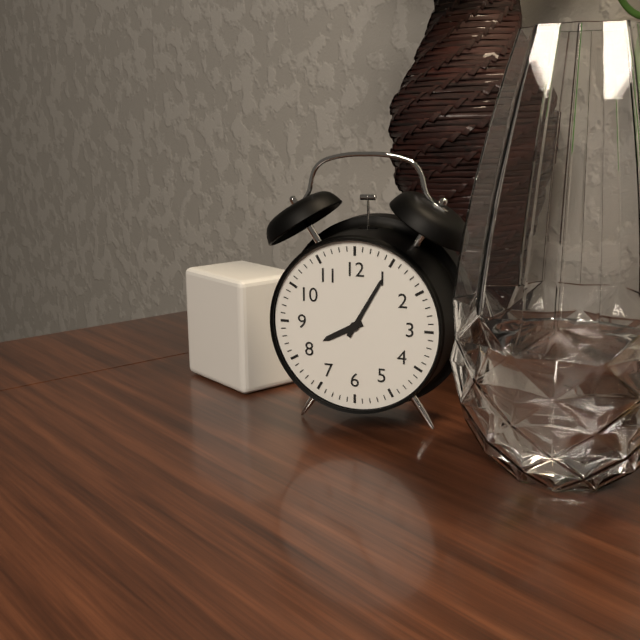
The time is h=8 m=5
